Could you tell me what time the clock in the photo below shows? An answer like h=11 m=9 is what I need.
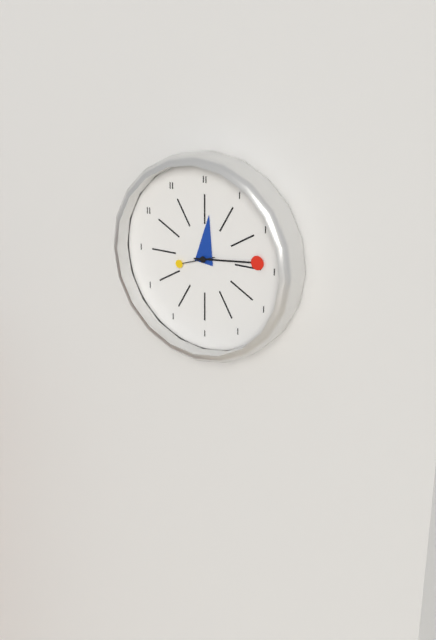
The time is h=12 m=14
